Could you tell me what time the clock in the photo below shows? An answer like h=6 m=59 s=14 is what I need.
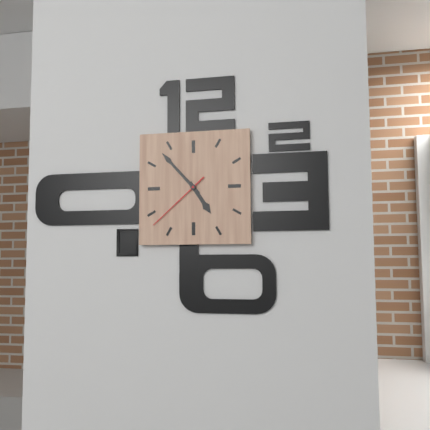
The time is h=4 m=53 s=38
